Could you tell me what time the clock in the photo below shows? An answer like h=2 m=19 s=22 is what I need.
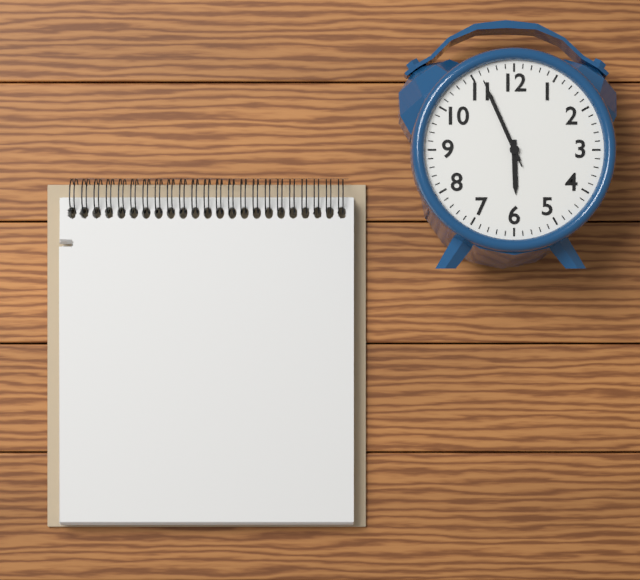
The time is h=5 m=56 s=56
